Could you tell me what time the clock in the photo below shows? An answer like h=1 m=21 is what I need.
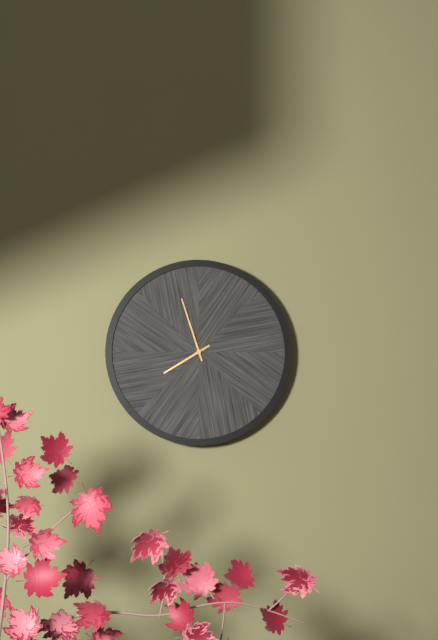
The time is h=7 m=57
